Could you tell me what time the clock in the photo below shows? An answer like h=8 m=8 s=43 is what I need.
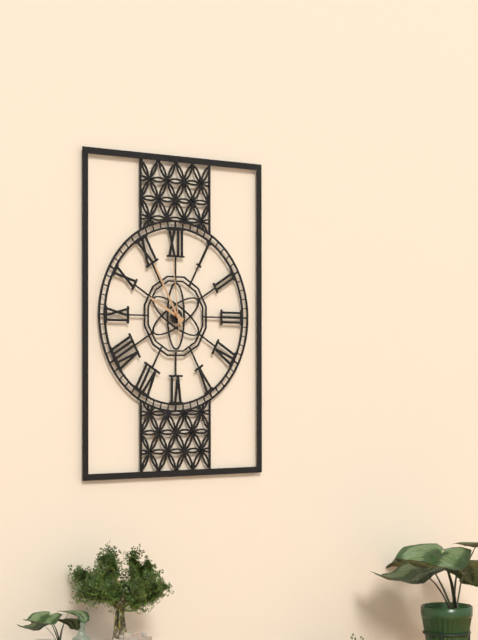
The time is h=9 m=55 s=59
